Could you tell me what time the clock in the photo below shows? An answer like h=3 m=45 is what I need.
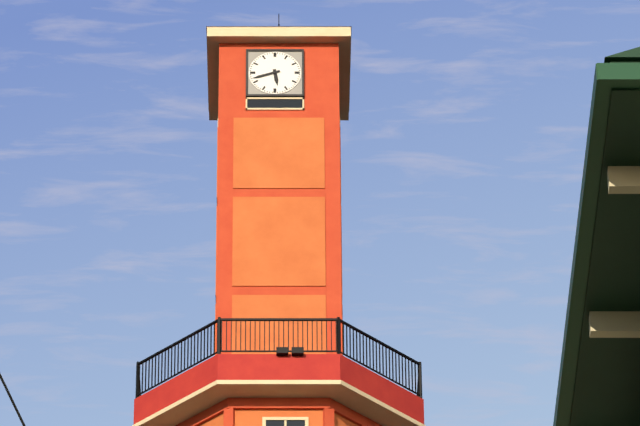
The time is h=5 m=42
